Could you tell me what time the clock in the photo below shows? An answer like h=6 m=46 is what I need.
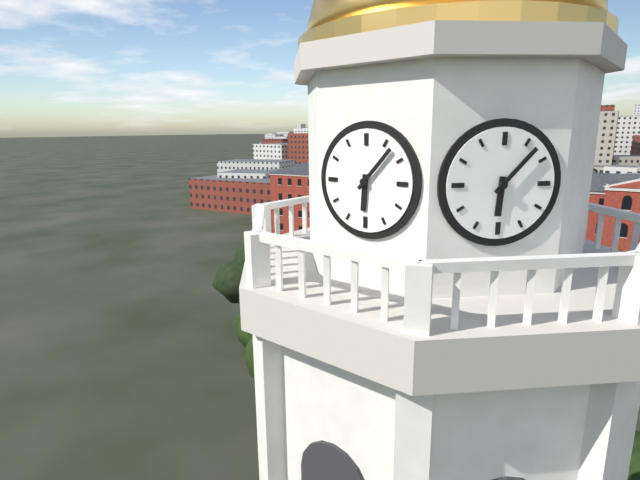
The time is h=6 m=7
